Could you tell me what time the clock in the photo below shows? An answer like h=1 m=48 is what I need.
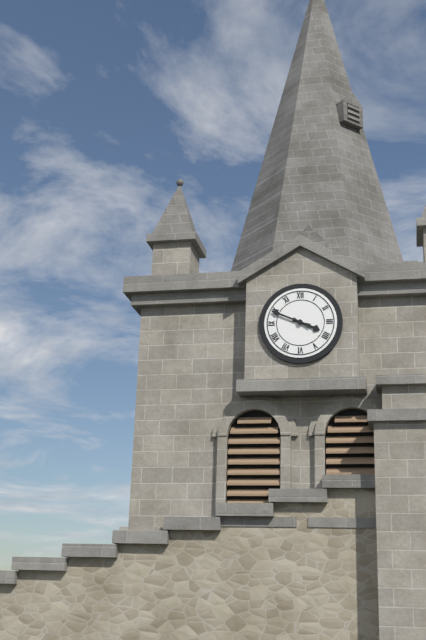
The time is h=3 m=49
